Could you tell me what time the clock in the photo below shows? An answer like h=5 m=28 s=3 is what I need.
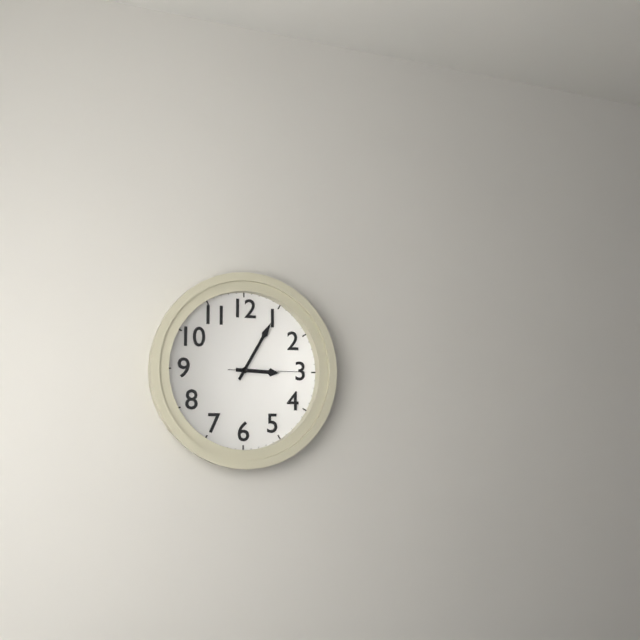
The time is h=3 m=5 s=15
